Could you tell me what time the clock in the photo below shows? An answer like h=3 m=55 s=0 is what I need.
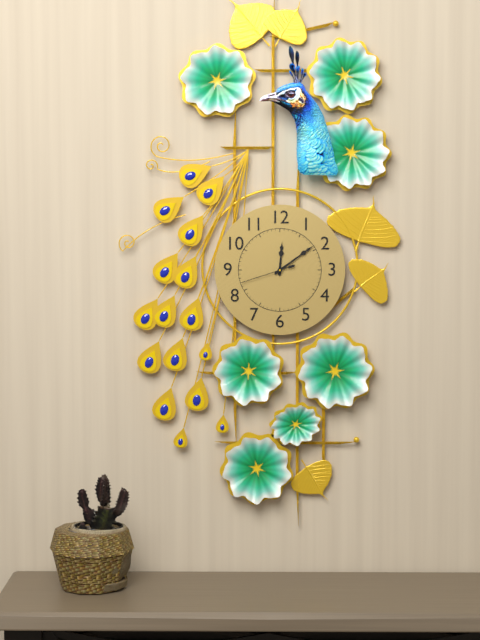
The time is h=12 m=9 s=42
